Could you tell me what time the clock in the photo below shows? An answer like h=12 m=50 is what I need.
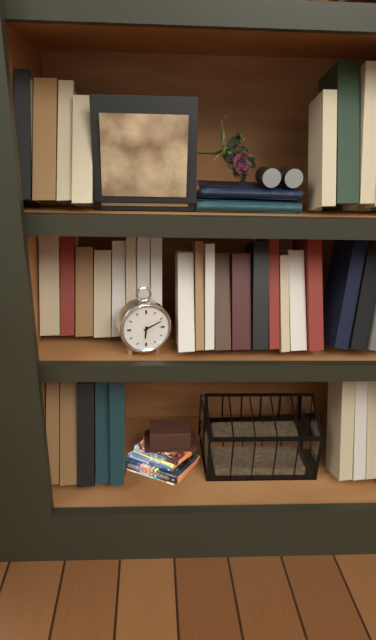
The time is h=6 m=11
